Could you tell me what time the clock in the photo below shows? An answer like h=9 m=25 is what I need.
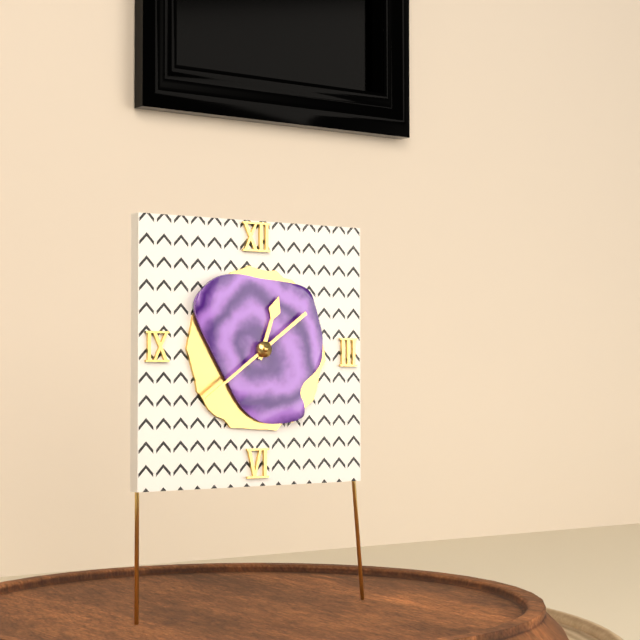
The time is h=12 m=39
